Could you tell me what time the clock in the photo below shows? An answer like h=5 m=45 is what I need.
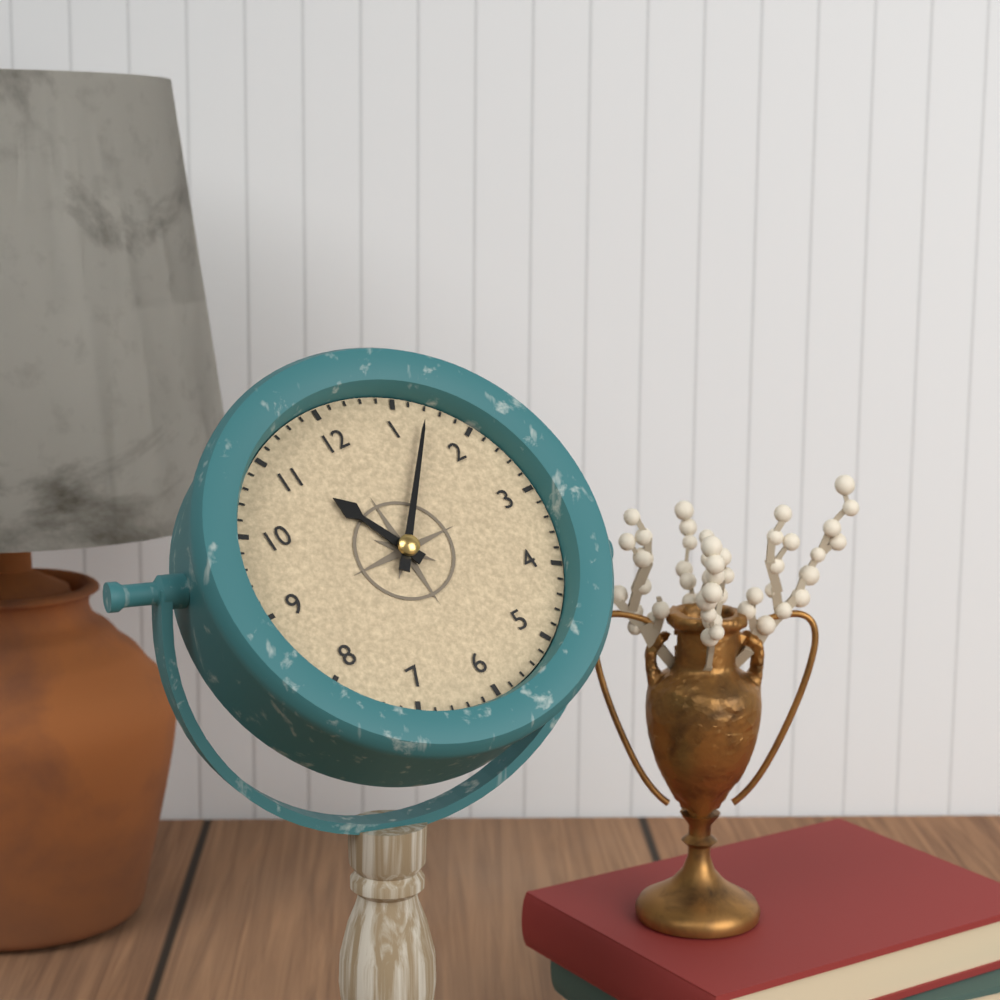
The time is h=11 m=7
